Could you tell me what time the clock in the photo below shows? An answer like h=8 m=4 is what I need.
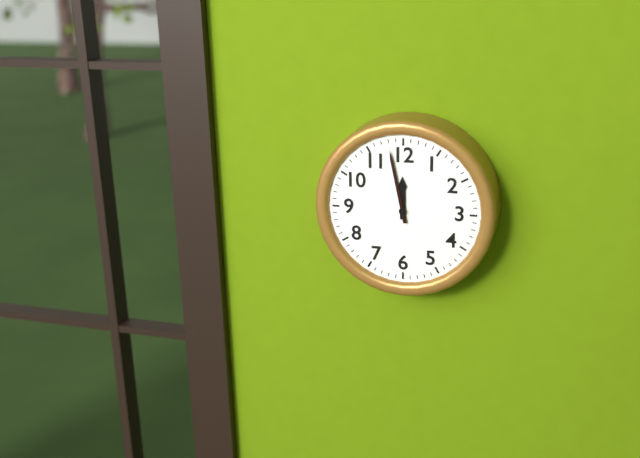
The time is h=11 m=58
